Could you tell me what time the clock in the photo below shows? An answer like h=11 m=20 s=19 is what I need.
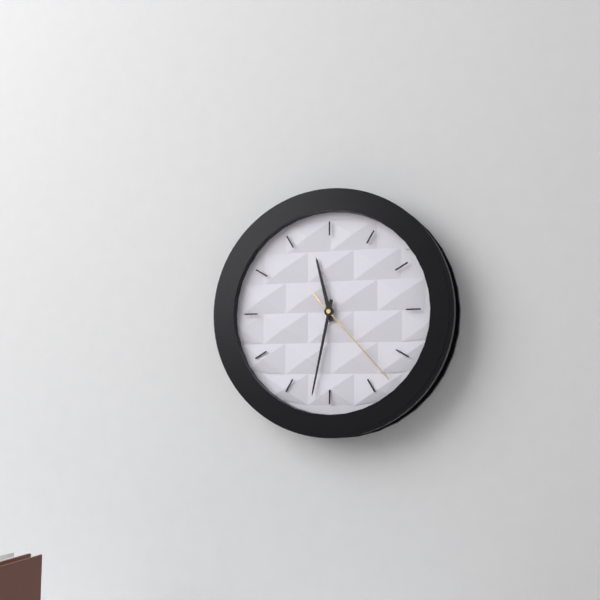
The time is h=11 m=32 s=23
